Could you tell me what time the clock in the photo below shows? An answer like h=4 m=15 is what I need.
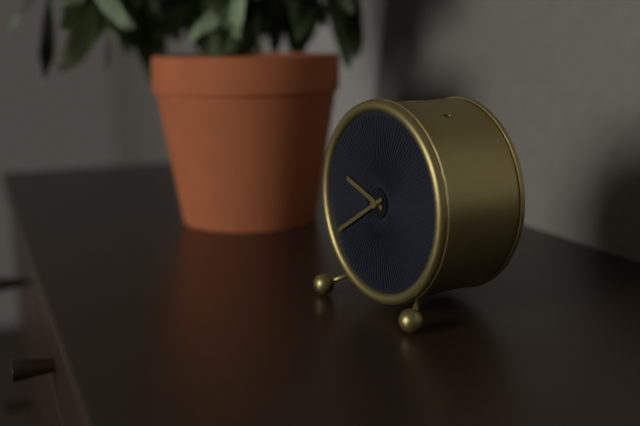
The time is h=9 m=40
